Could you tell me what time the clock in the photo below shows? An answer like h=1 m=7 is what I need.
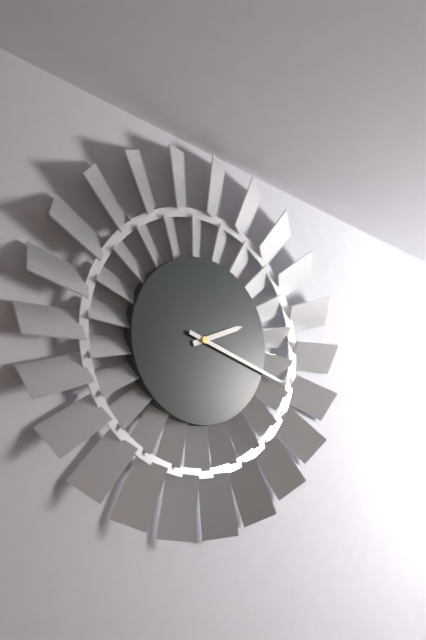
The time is h=2 m=18
